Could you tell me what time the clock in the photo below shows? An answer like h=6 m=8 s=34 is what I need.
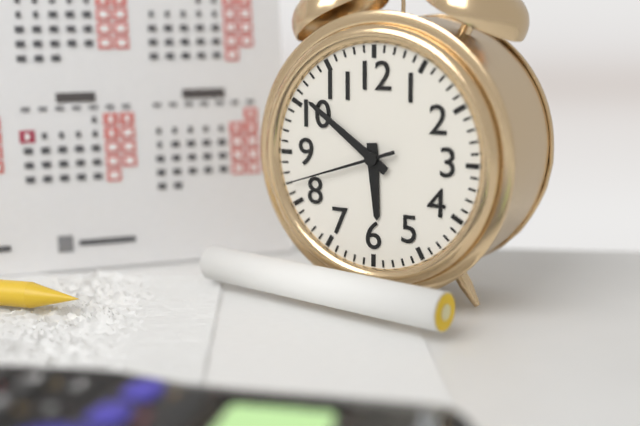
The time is h=5 m=51 s=42
